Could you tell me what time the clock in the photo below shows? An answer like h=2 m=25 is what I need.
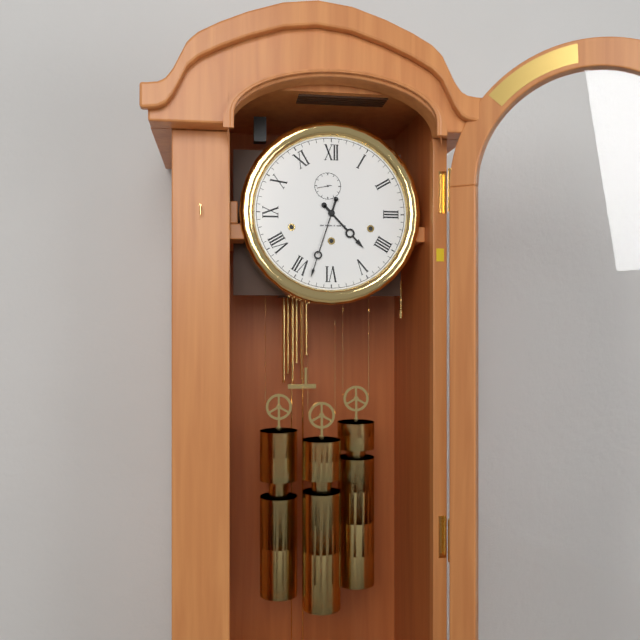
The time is h=4 m=33
